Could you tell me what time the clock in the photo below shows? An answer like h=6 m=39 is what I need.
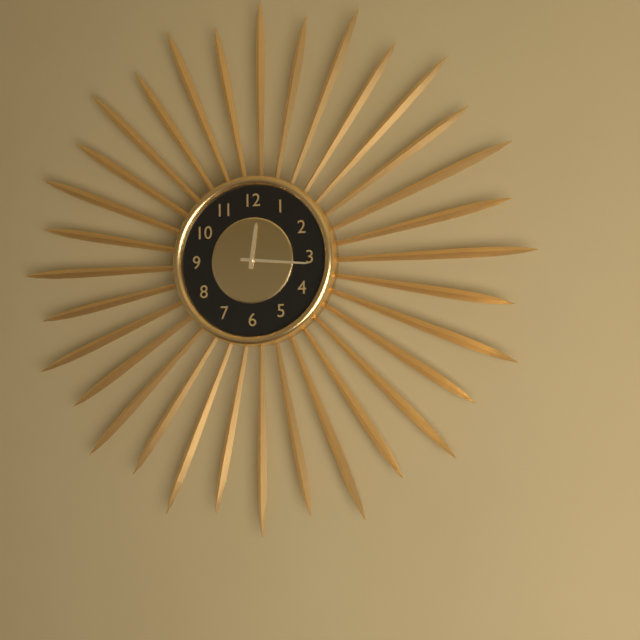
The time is h=12 m=16
